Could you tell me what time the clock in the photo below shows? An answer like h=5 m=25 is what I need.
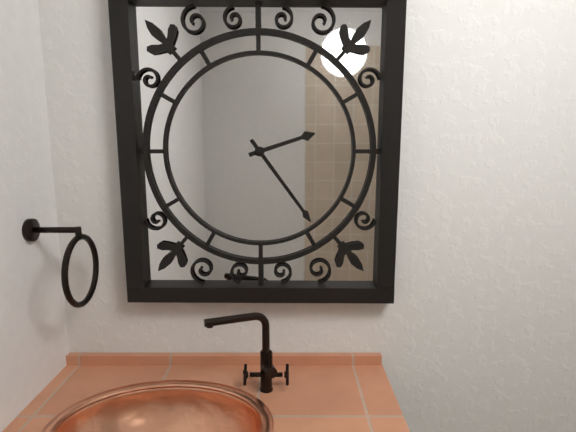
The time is h=2 m=24
